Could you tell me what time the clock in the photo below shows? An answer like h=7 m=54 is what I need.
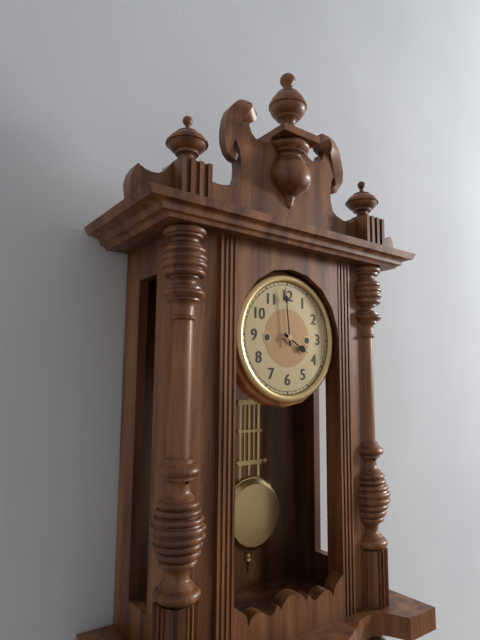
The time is h=3 m=59
